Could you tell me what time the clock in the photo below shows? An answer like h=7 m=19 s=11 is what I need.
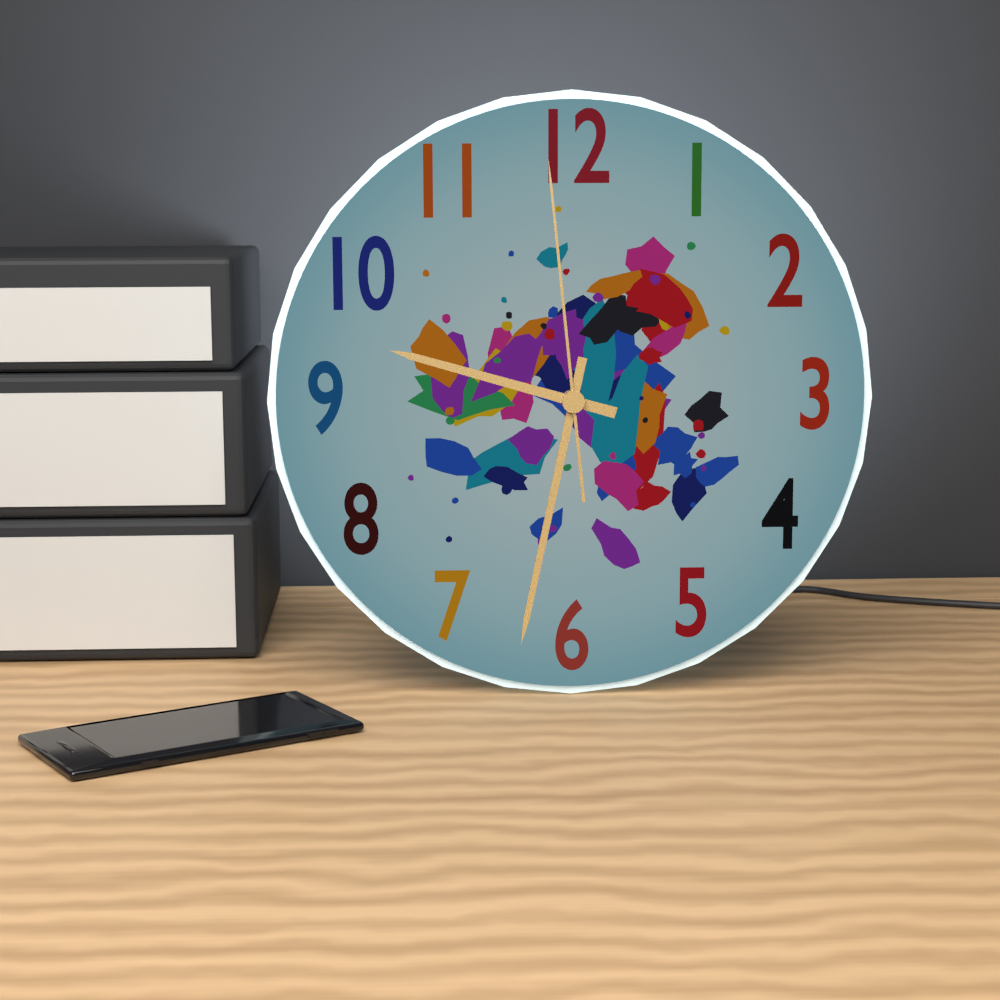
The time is h=9 m=32 s=59
